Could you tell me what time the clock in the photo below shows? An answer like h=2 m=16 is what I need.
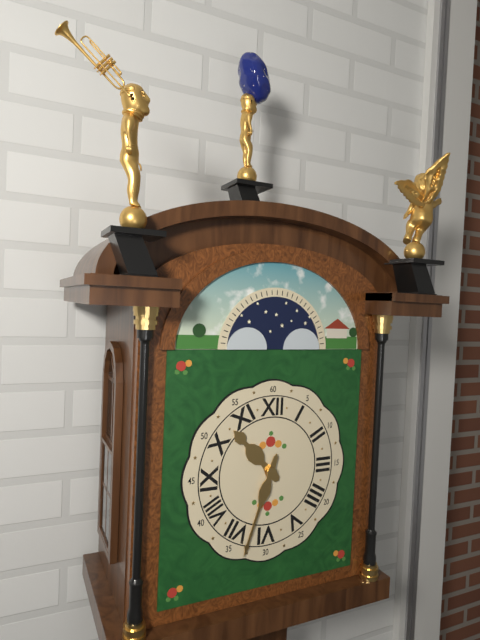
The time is h=10 m=33
